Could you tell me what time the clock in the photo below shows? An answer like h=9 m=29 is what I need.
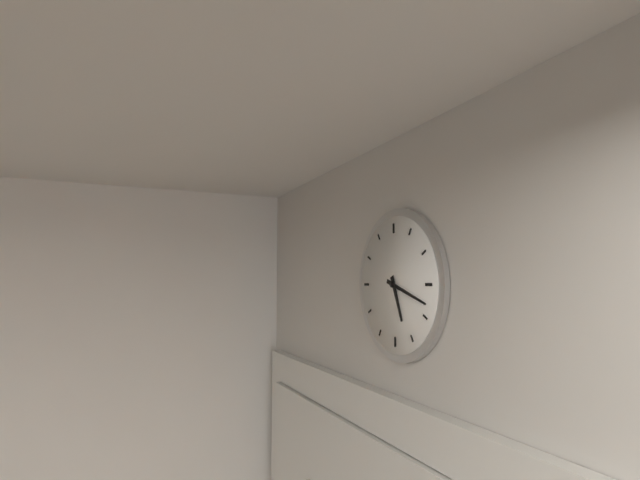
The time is h=5 m=18
